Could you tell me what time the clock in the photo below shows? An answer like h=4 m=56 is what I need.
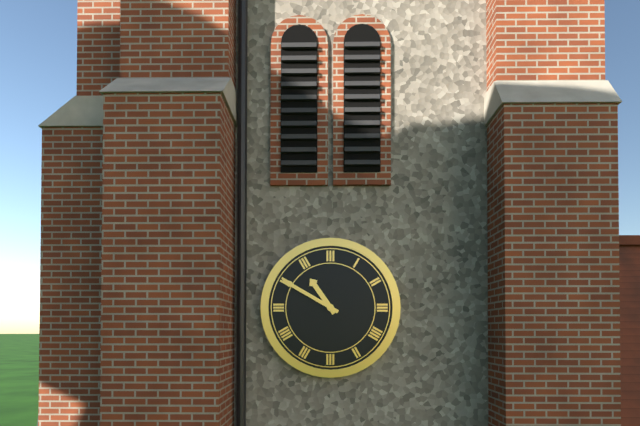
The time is h=10 m=50
